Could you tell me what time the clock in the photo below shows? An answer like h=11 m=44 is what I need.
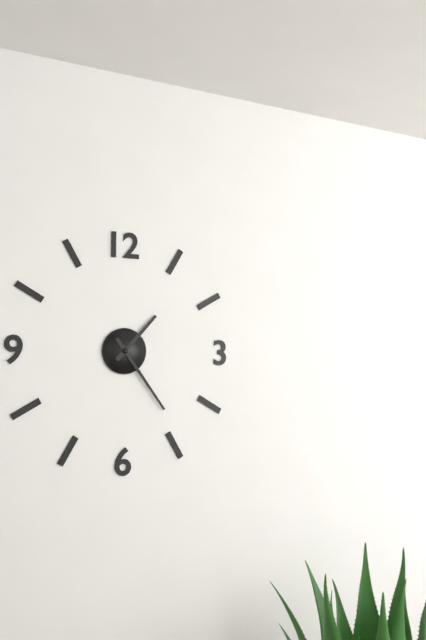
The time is h=1 m=24
